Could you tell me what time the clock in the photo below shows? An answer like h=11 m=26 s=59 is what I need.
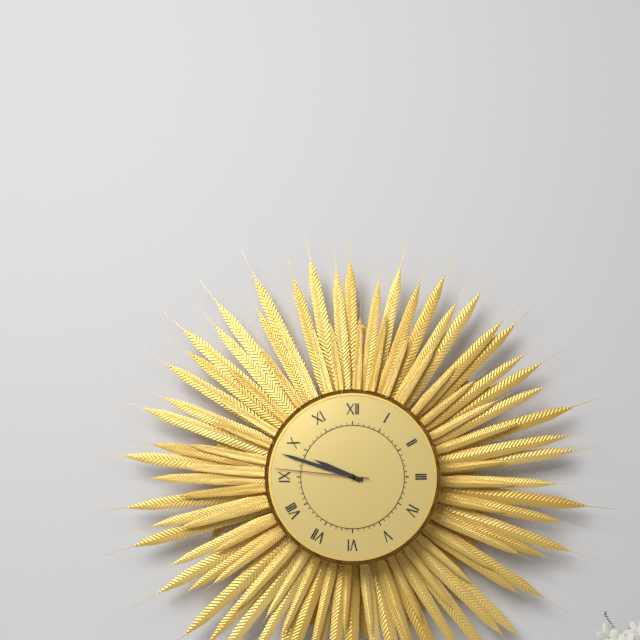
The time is h=9 m=48 s=46
